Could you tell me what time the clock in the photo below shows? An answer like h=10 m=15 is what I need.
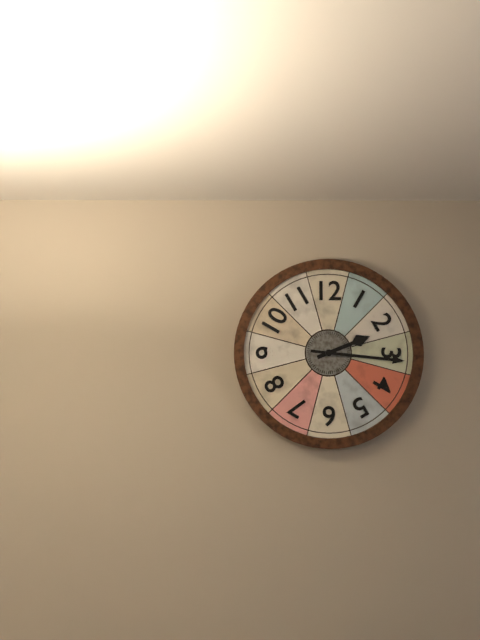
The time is h=2 m=16
